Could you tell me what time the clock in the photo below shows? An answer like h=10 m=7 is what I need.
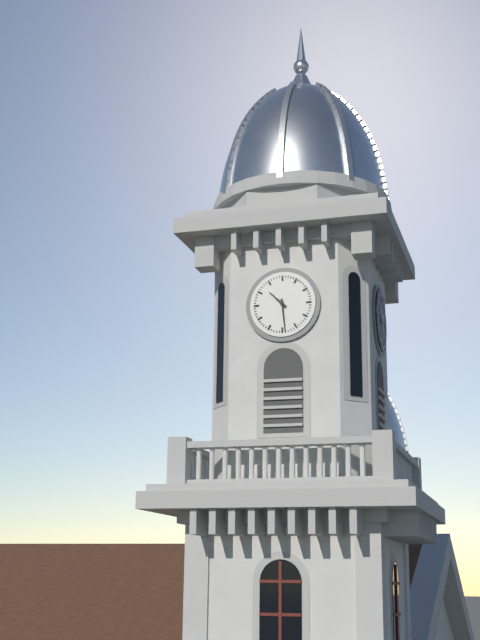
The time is h=10 m=29
